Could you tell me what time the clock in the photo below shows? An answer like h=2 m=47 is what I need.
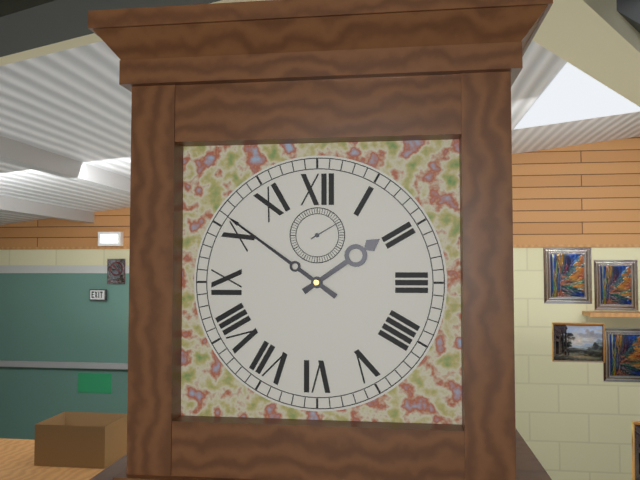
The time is h=1 m=51
